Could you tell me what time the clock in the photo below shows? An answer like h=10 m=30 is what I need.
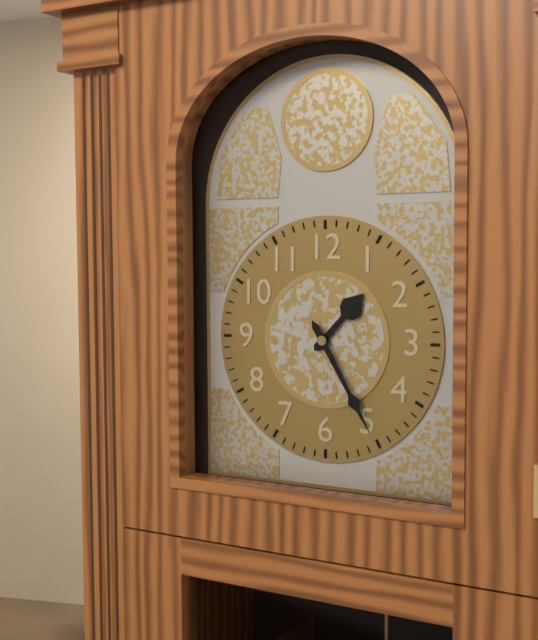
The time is h=1 m=25
